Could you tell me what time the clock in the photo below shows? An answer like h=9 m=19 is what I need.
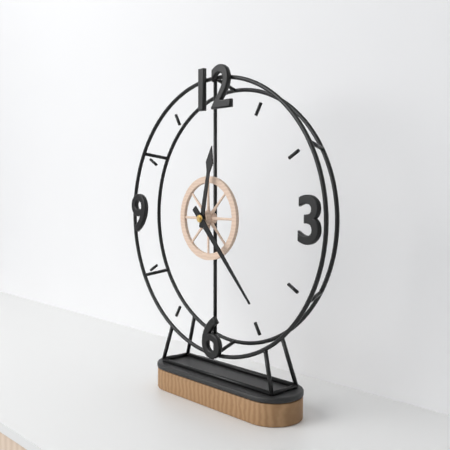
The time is h=12 m=23
